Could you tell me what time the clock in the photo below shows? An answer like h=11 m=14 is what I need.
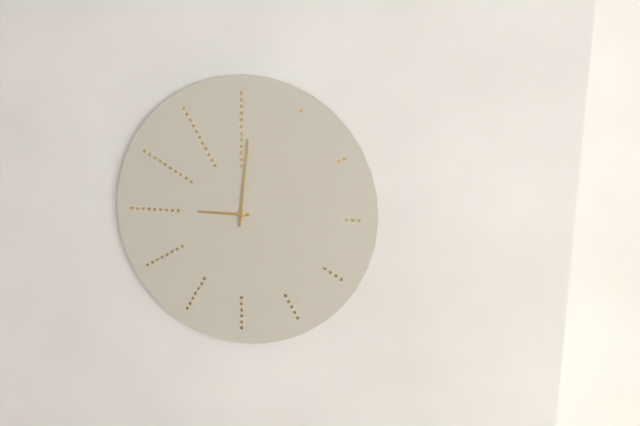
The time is h=9 m=1
